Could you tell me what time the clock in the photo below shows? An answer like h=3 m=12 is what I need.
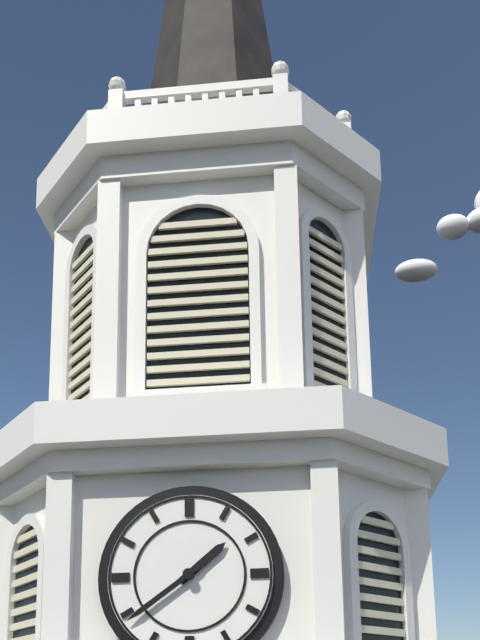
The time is h=1 m=39
